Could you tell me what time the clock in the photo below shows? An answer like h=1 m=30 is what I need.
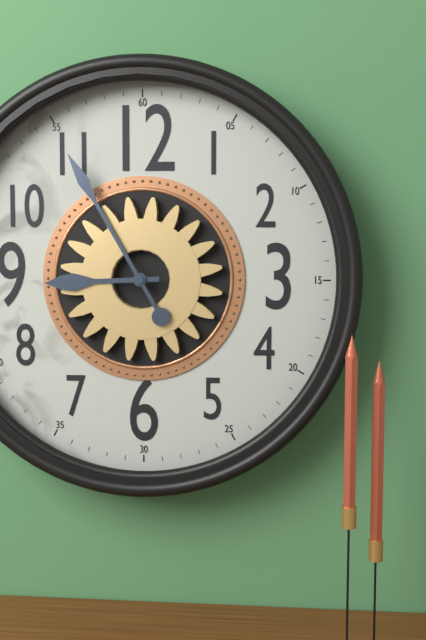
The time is h=8 m=55
